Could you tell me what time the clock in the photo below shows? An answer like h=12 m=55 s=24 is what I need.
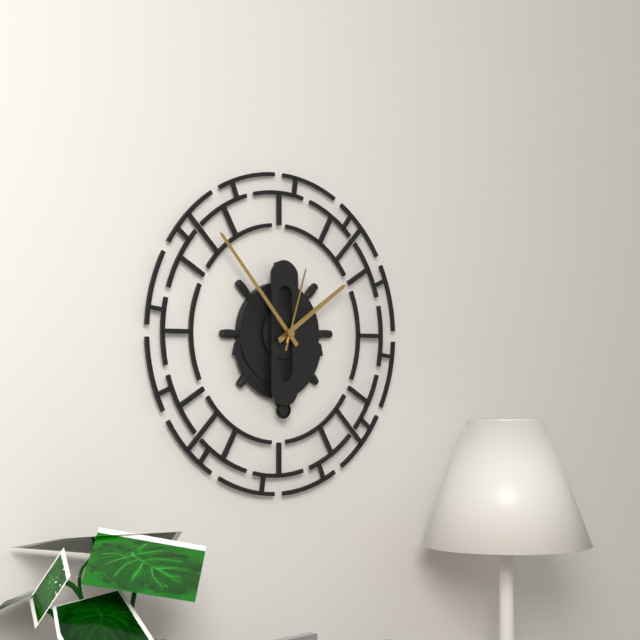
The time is h=1 m=53 s=3
